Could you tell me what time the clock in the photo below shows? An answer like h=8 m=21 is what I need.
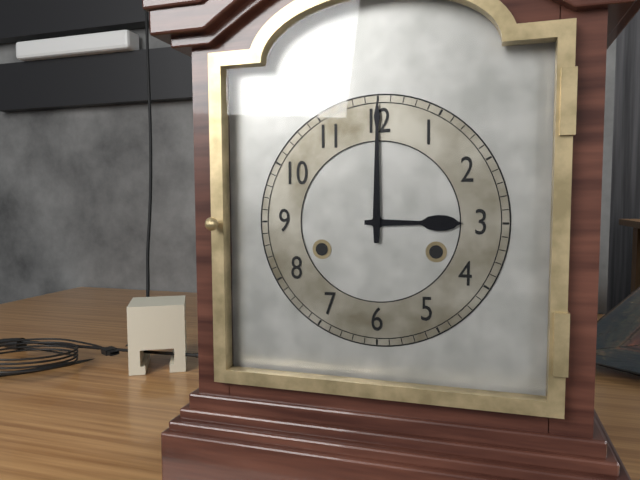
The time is h=3 m=0
